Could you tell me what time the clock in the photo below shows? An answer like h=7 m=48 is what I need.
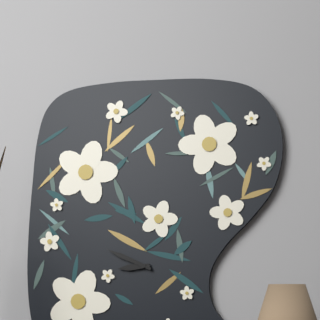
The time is h=8 m=49
